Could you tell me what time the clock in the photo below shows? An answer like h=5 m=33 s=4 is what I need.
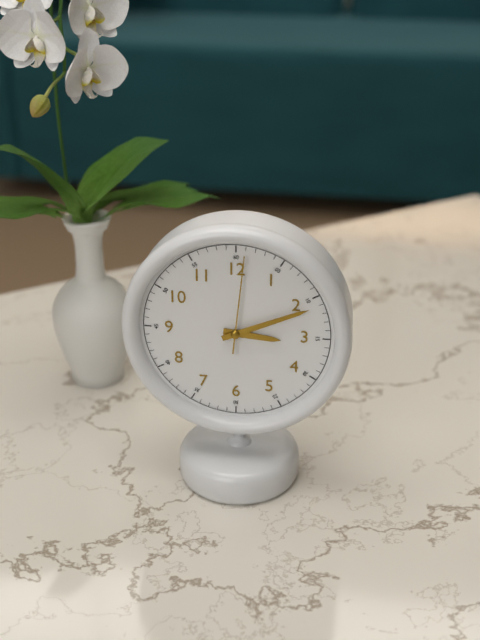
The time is h=3 m=11 s=1
